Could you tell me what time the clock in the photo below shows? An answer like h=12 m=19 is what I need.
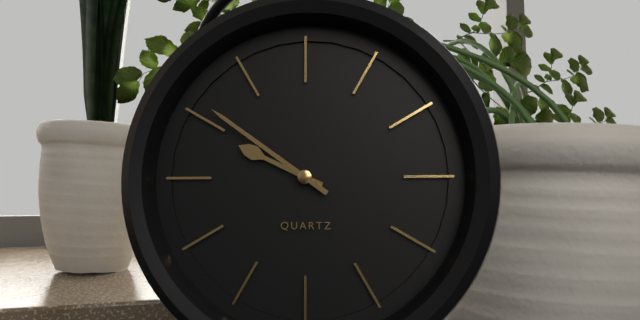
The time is h=9 m=51
